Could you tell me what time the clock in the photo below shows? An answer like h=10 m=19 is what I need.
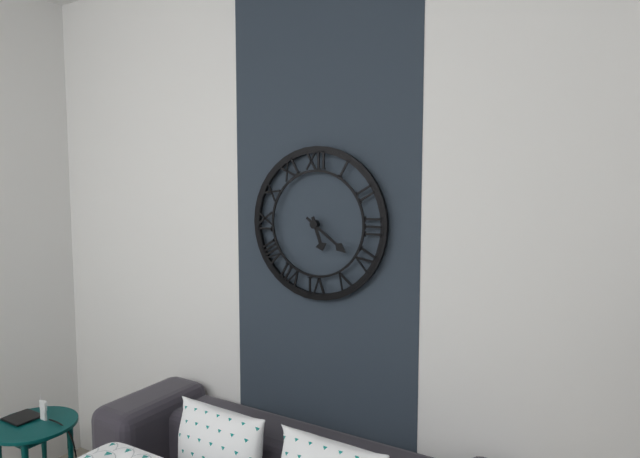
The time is h=5 m=21
